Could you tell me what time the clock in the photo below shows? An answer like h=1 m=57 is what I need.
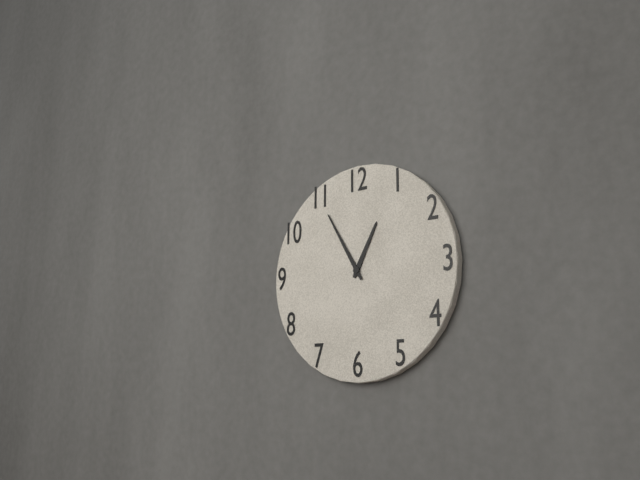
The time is h=12 m=55
